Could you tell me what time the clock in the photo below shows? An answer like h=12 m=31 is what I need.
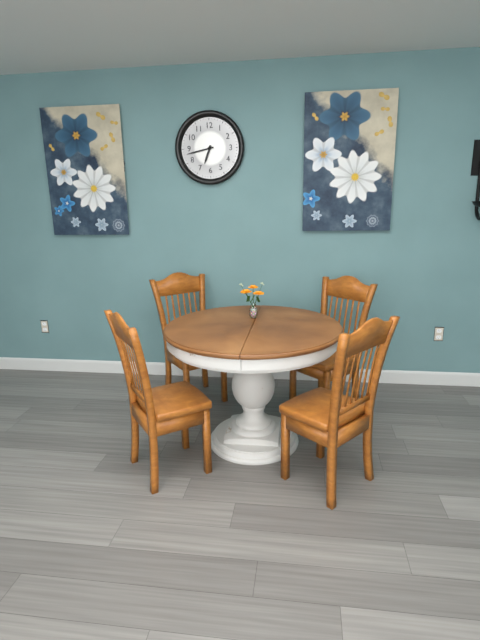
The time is h=6 m=43
